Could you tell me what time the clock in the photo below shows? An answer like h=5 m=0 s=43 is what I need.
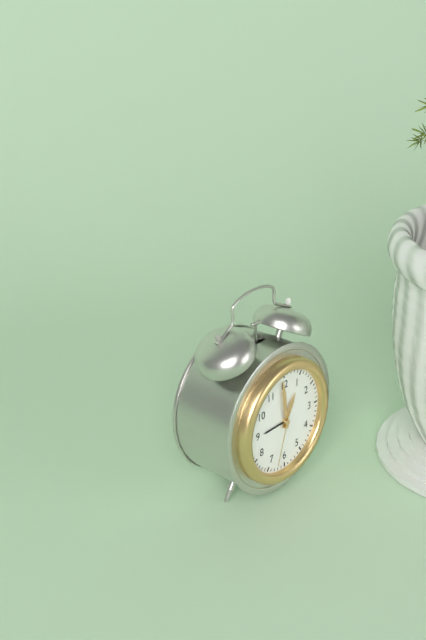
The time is h=12 m=59 s=33
